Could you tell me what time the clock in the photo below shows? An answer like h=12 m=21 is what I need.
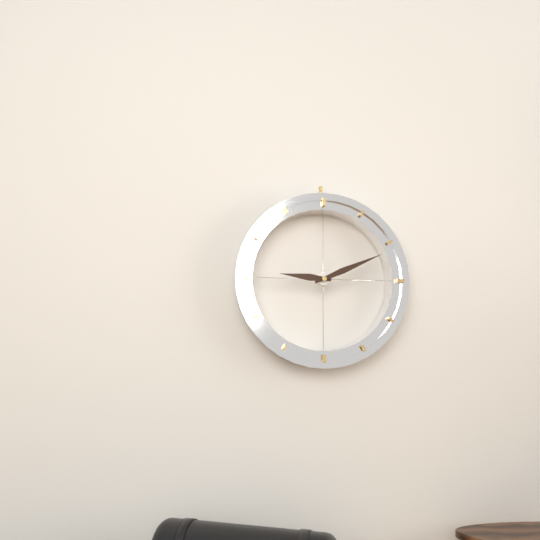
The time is h=9 m=11
